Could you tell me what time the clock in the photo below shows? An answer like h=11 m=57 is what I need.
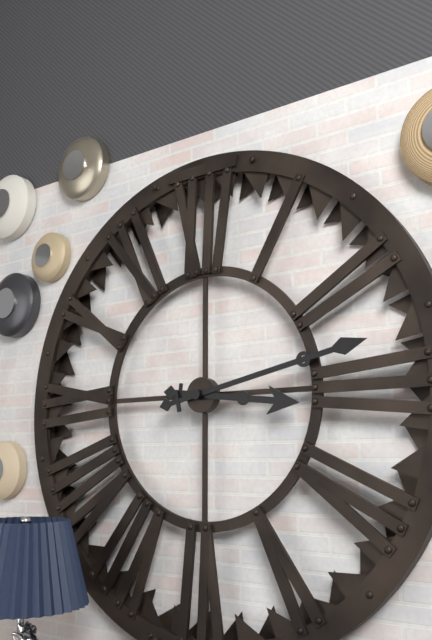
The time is h=3 m=13
